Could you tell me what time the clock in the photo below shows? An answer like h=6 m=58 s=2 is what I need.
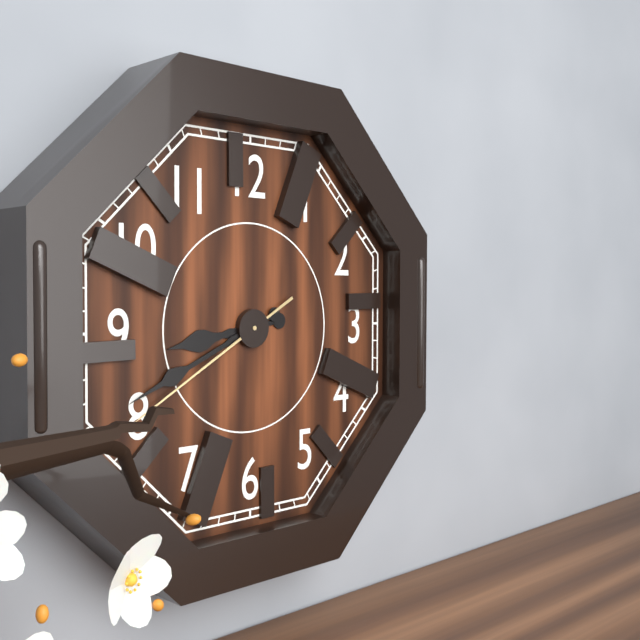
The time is h=8 m=41 s=40
